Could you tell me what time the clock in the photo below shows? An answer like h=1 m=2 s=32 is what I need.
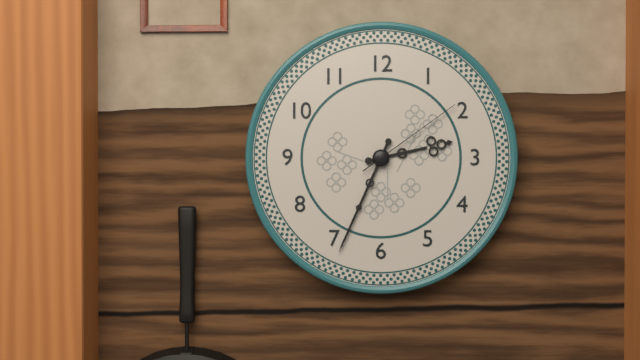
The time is h=2 m=34 s=9
